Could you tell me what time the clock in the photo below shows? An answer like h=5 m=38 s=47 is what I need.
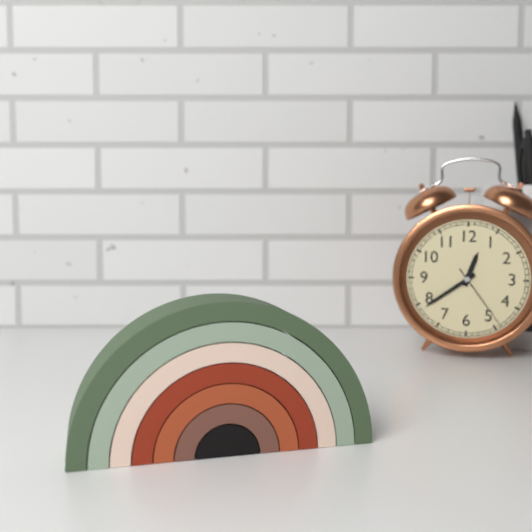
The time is h=12 m=39 s=24
